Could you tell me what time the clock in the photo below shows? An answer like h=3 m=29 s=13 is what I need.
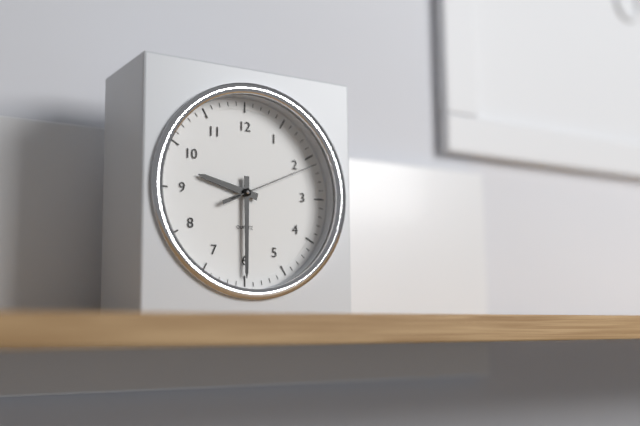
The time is h=9 m=30 s=11
